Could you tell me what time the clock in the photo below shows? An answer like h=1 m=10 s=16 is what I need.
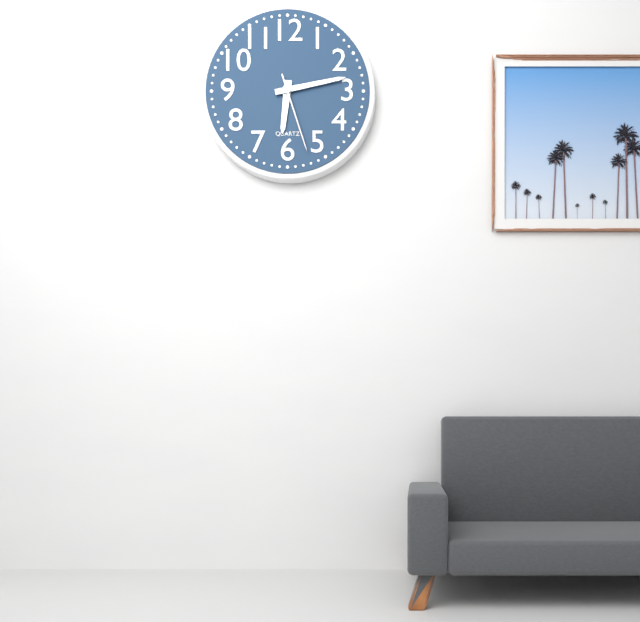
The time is h=6 m=13 s=27
